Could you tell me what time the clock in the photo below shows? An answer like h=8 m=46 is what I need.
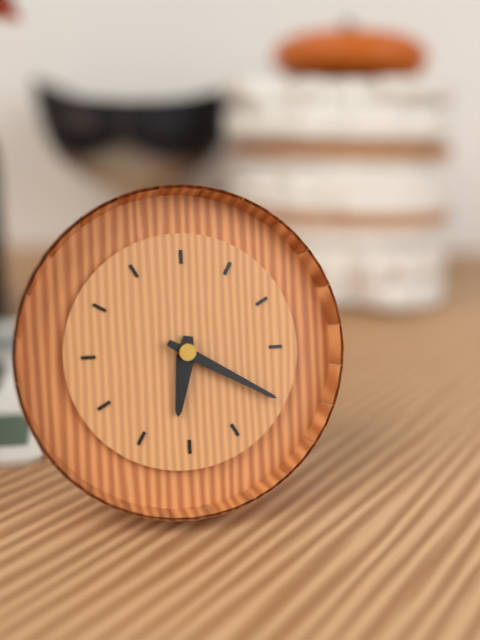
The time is h=6 m=20
